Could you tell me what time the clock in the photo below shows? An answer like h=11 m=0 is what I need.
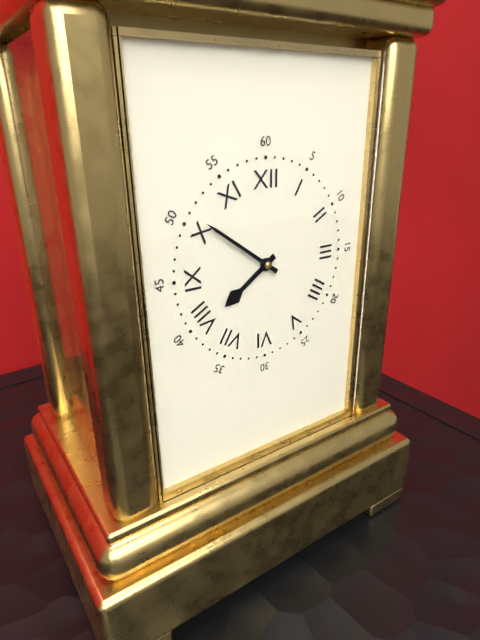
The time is h=7 m=51
